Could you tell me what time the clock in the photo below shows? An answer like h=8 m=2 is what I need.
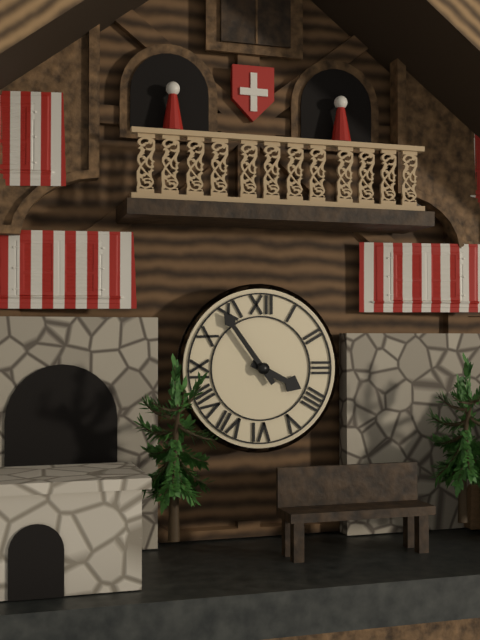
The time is h=3 m=54
